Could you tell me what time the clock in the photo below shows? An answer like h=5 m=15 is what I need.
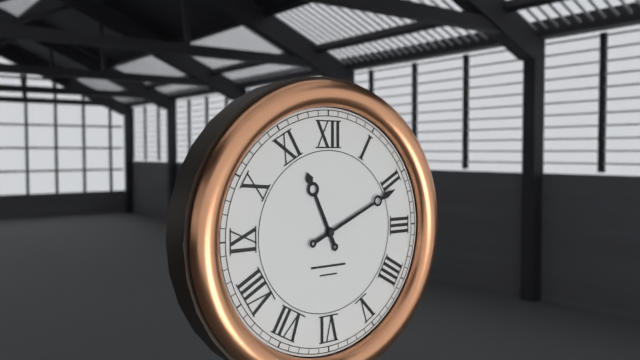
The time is h=11 m=11
